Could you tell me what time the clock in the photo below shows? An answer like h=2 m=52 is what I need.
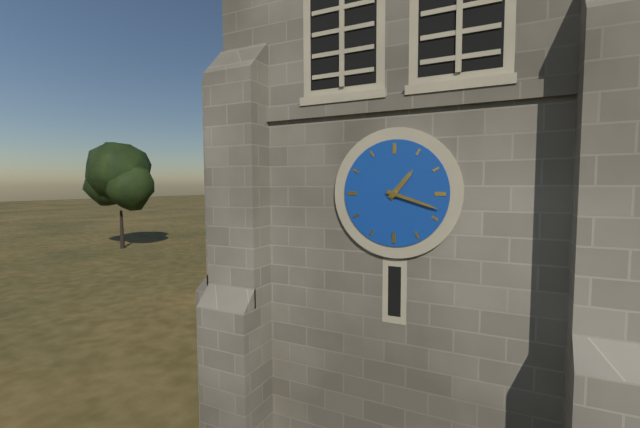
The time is h=1 m=18
